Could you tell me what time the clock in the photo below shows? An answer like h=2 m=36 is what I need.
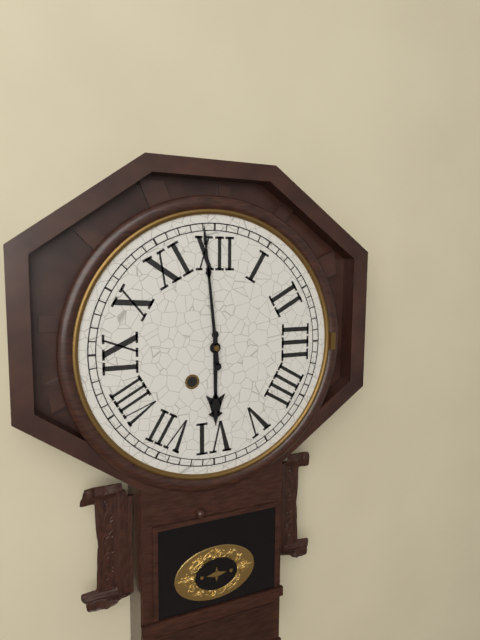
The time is h=5 m=59
